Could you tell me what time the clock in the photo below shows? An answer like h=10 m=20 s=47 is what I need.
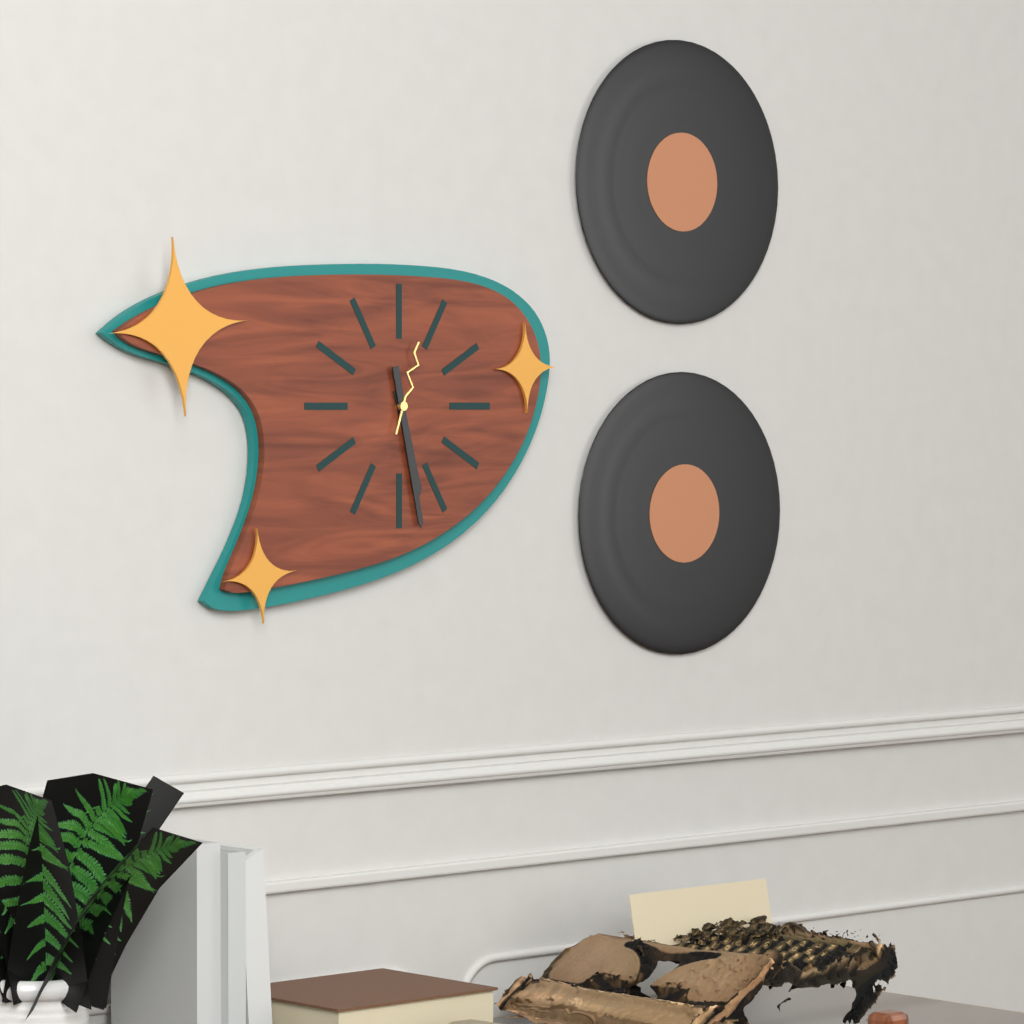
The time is h=5 m=28 s=3
